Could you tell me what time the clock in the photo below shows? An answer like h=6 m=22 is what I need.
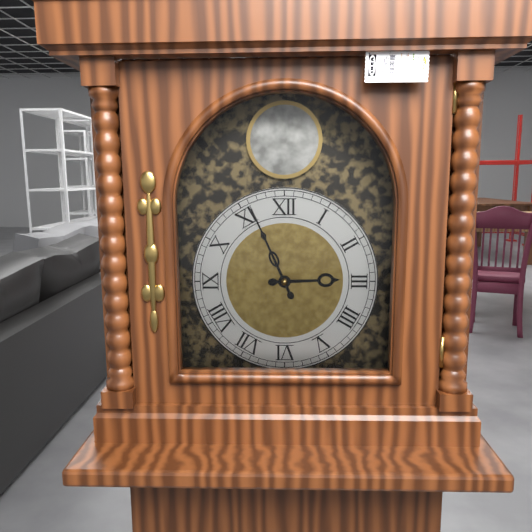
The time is h=2 m=56
